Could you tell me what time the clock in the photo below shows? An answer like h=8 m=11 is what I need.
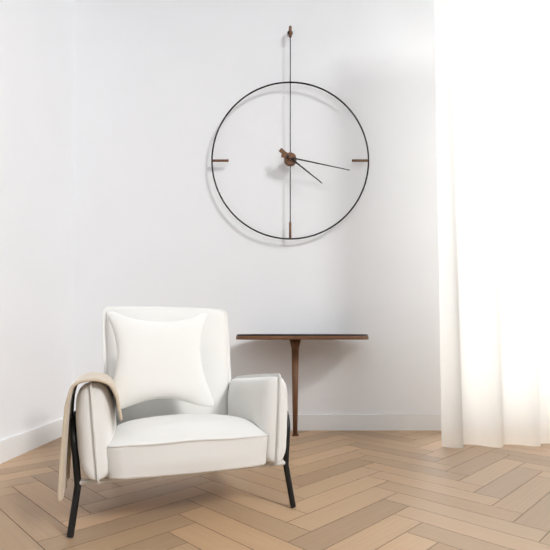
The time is h=4 m=17
